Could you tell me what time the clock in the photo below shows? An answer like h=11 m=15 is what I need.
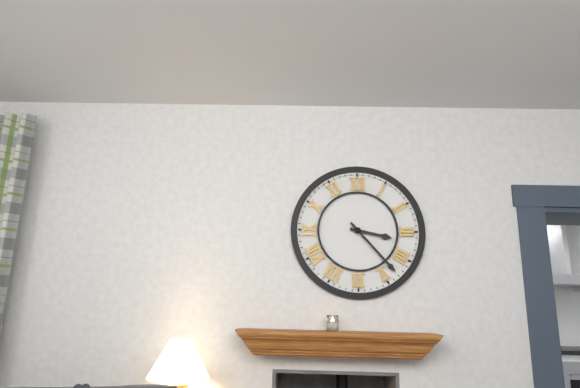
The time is h=3 m=23
